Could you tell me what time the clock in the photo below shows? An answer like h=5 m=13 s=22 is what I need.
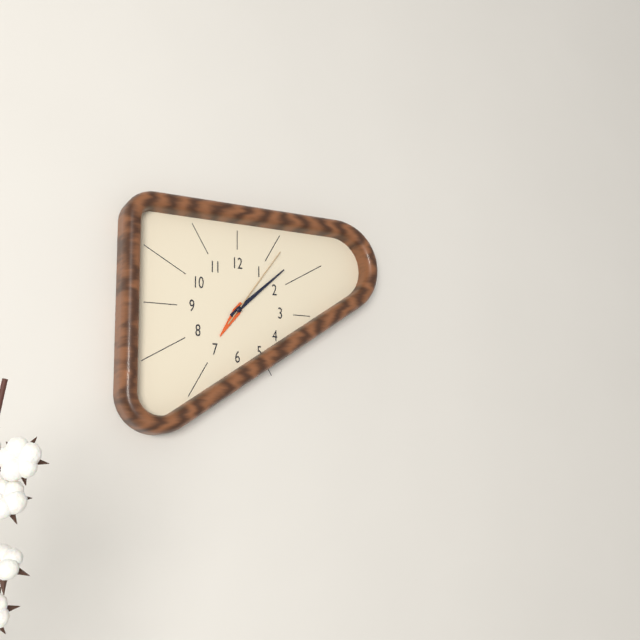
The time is h=7 m=8 s=6
